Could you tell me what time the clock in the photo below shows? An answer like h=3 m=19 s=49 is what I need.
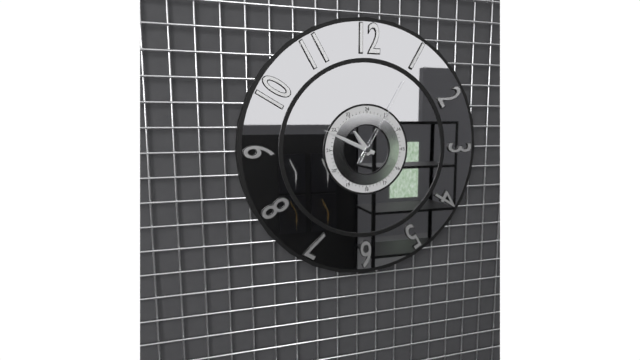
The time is h=10 m=49 s=5
